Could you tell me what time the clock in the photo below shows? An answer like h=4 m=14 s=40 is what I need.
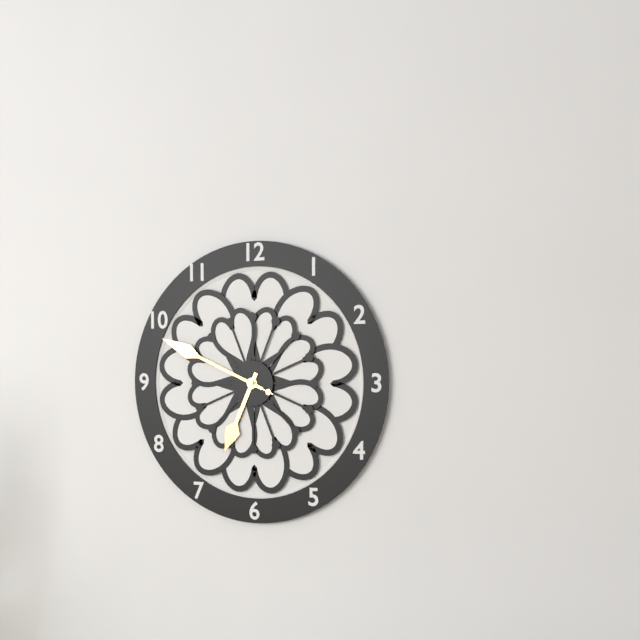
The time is h=6 m=49 s=49
